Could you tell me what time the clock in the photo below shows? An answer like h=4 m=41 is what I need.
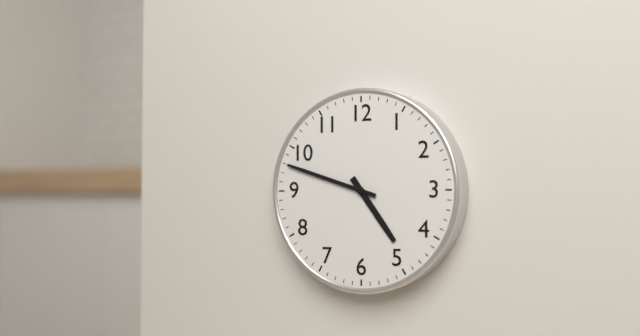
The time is h=4 m=48
